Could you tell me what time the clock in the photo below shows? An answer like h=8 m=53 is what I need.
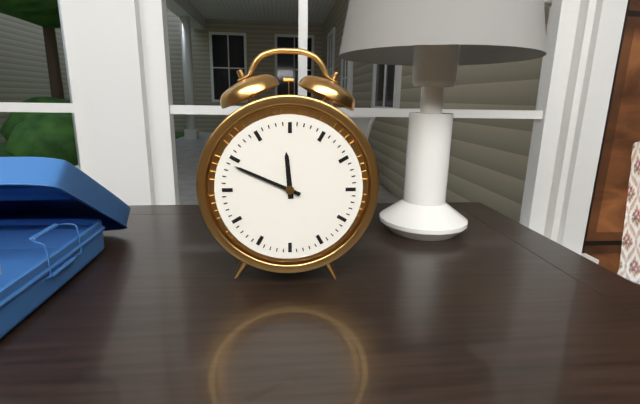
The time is h=11 m=49
